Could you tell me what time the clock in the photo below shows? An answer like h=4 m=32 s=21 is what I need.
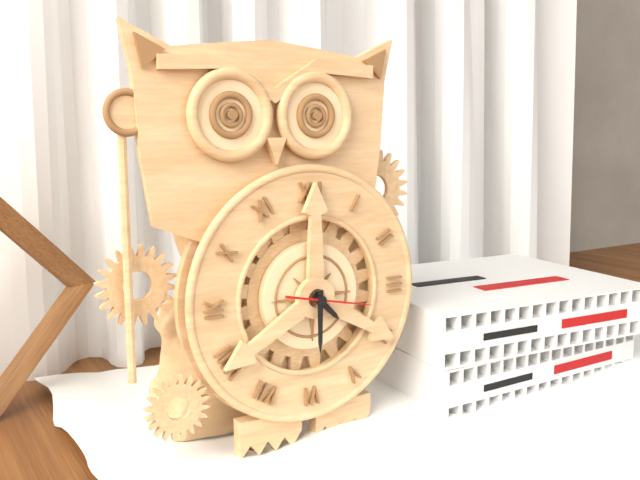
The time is h=4 m=30 s=17
